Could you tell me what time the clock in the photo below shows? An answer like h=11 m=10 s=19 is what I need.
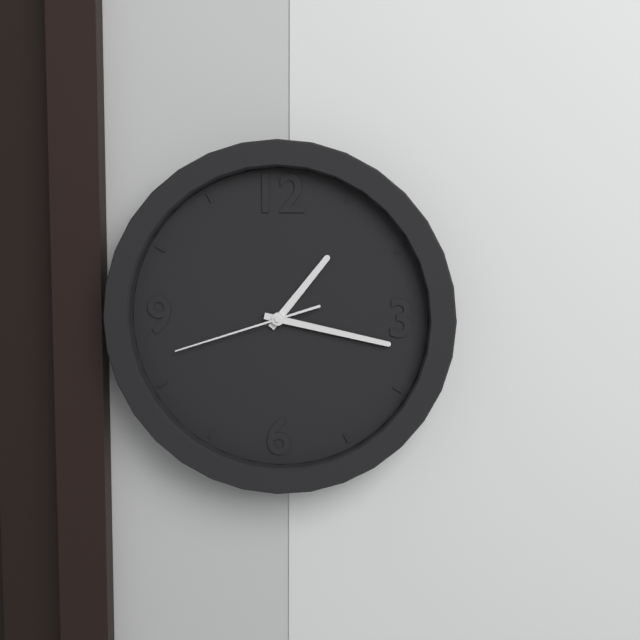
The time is h=1 m=17 s=42
